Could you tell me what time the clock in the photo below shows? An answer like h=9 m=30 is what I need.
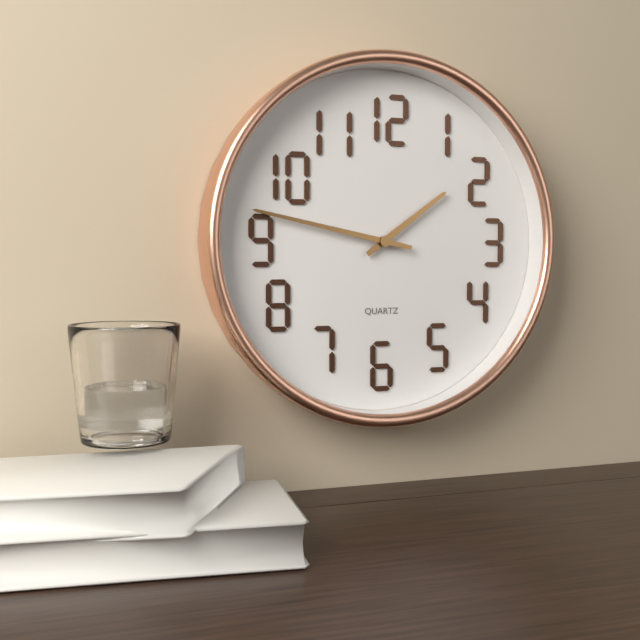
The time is h=1 m=47
